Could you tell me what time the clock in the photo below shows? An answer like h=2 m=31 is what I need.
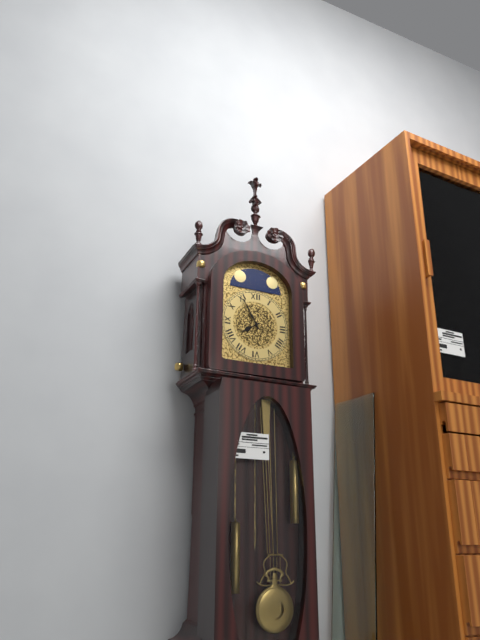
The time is h=7 m=55
